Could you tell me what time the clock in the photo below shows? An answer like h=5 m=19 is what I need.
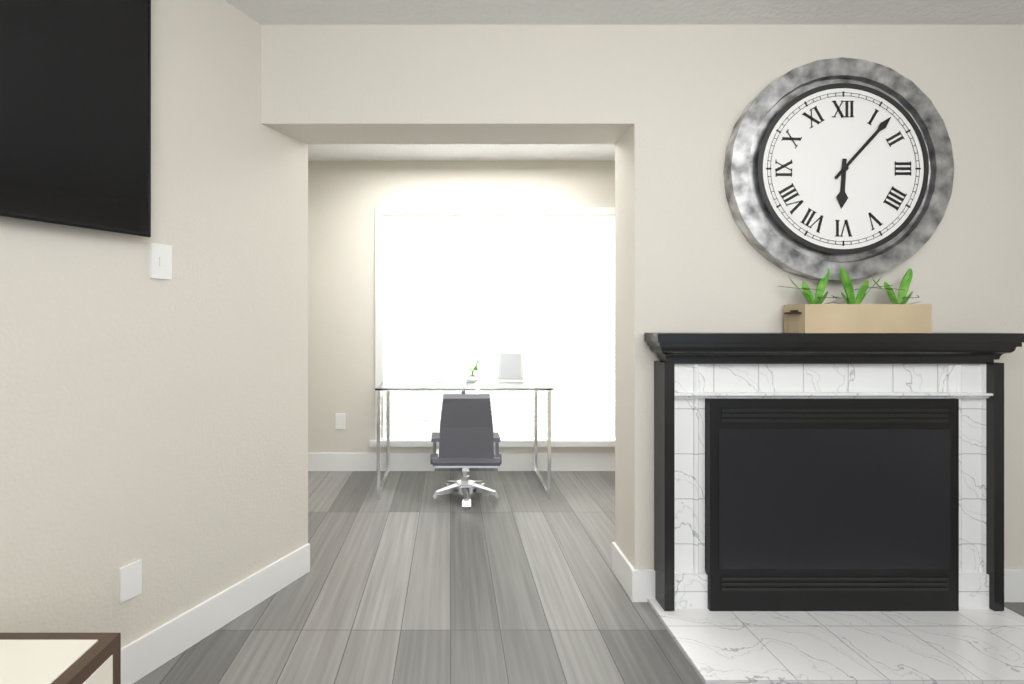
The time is h=6 m=7
